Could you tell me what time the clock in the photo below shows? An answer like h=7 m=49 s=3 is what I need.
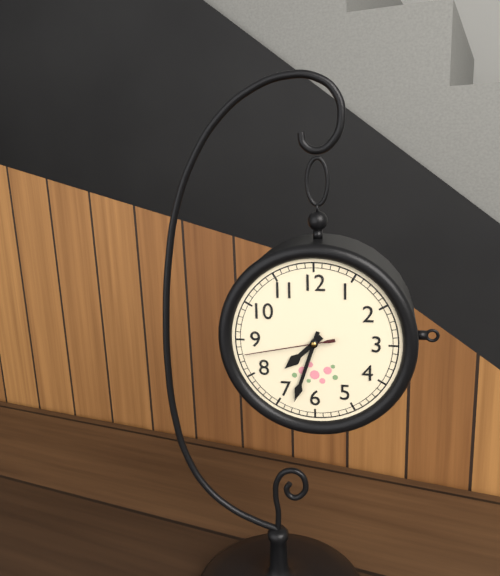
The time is h=7 m=33 s=43
